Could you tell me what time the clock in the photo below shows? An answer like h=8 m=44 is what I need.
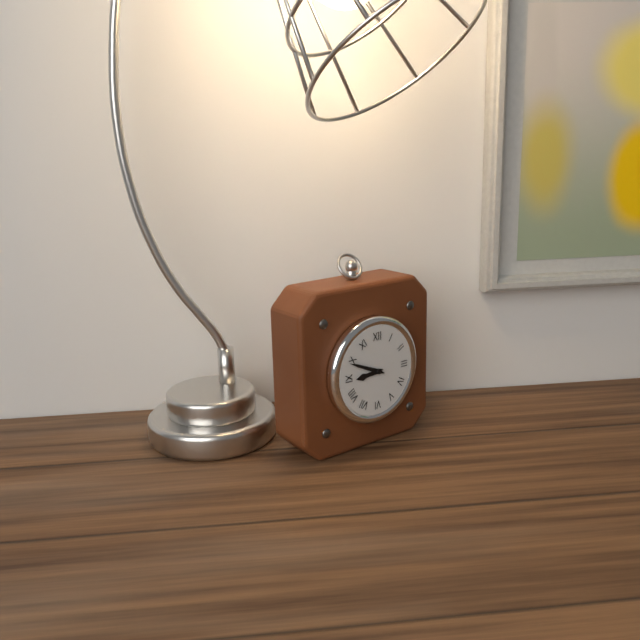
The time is h=8 m=49
